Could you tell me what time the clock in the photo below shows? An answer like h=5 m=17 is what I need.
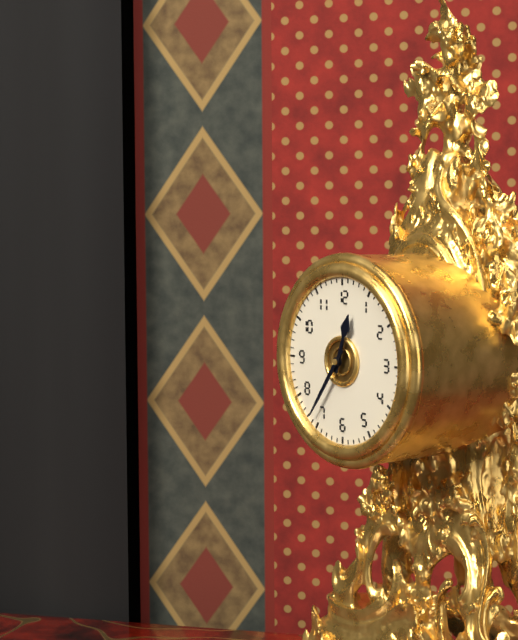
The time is h=12 m=36
